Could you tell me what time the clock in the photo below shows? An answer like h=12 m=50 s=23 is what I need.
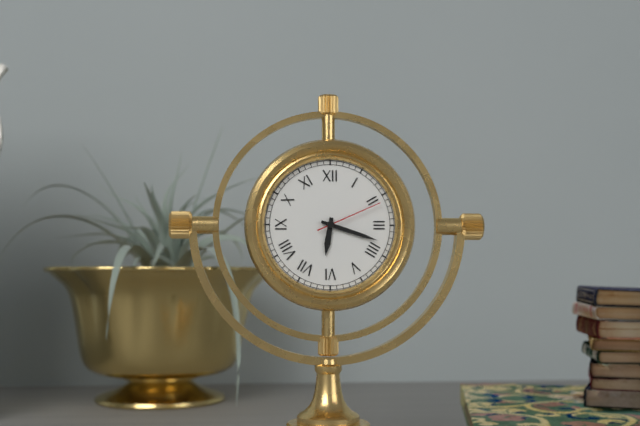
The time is h=6 m=18 s=11
